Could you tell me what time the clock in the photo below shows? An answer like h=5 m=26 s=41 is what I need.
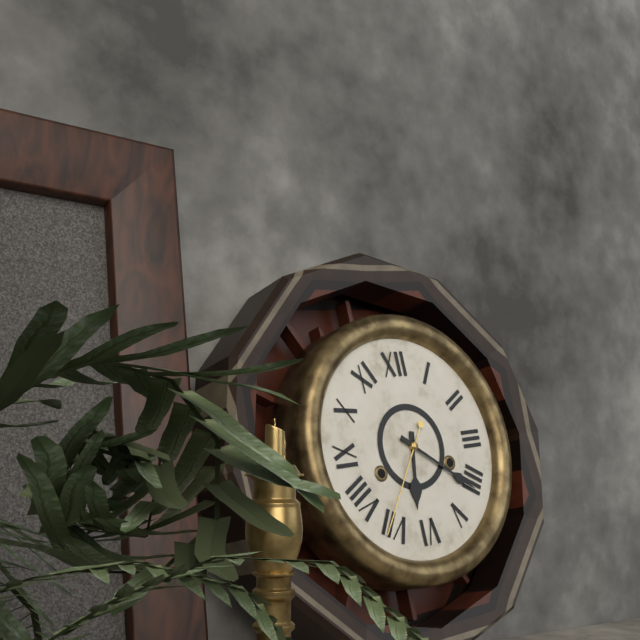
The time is h=6 m=21 s=36
